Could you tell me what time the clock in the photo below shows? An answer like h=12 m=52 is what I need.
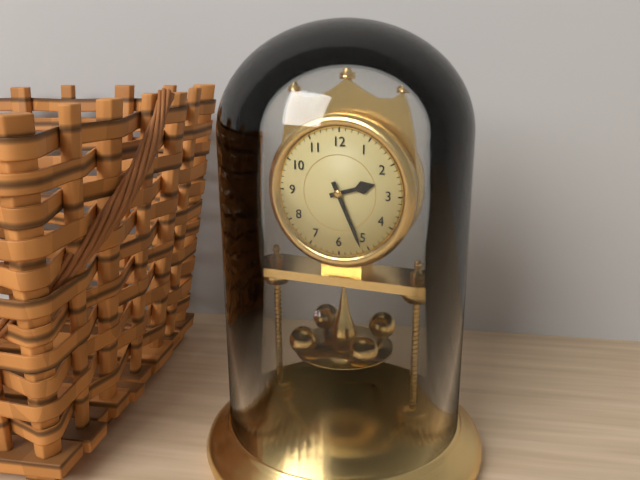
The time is h=2 m=26
